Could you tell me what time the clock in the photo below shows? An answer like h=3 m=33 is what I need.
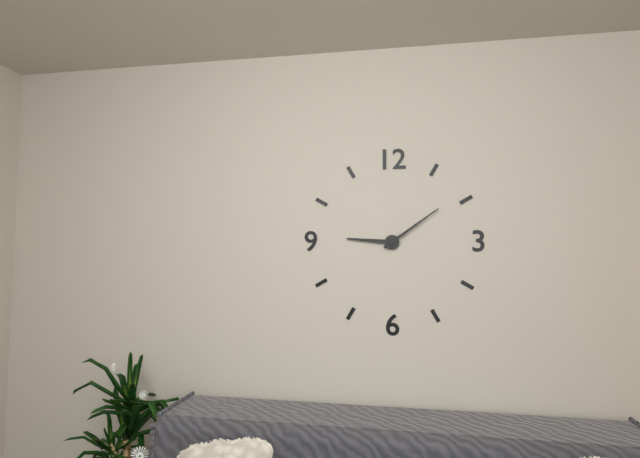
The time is h=9 m=9
